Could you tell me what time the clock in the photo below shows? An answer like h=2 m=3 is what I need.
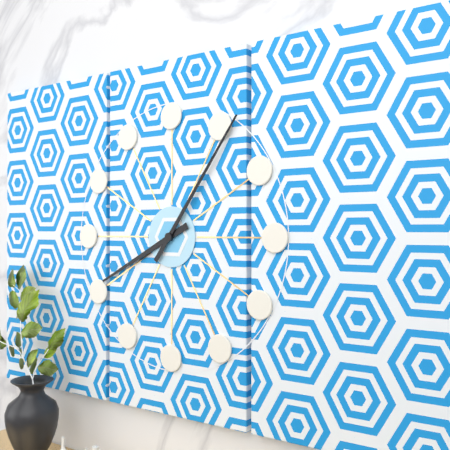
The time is h=8 m=6
